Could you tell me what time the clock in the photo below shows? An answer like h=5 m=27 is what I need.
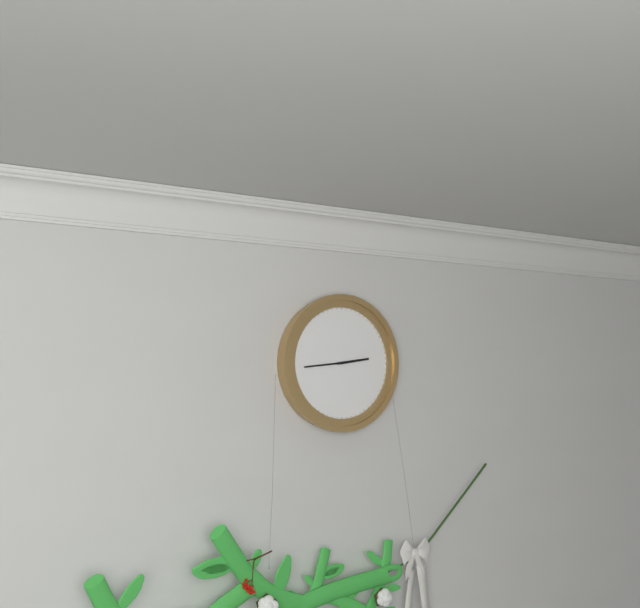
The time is h=2 m=44
